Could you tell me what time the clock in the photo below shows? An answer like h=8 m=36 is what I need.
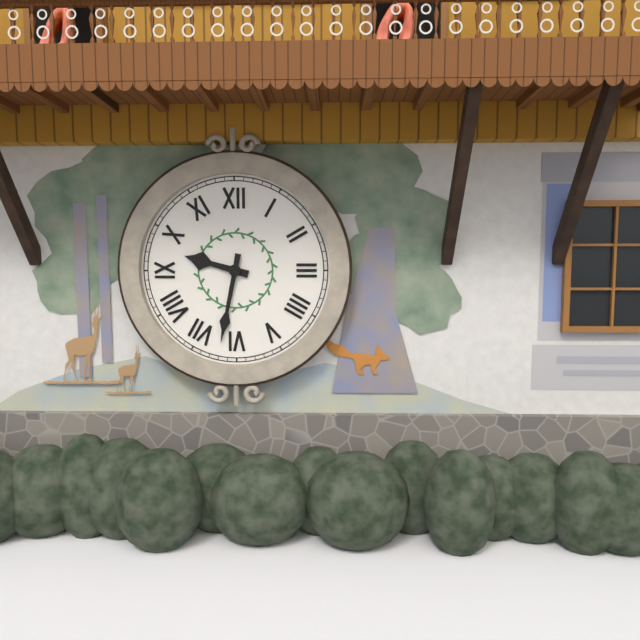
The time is h=9 m=32
